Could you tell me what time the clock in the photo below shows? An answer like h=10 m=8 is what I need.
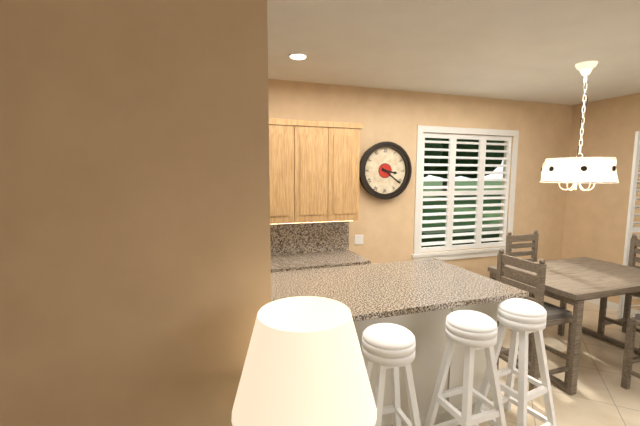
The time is h=3 m=21
